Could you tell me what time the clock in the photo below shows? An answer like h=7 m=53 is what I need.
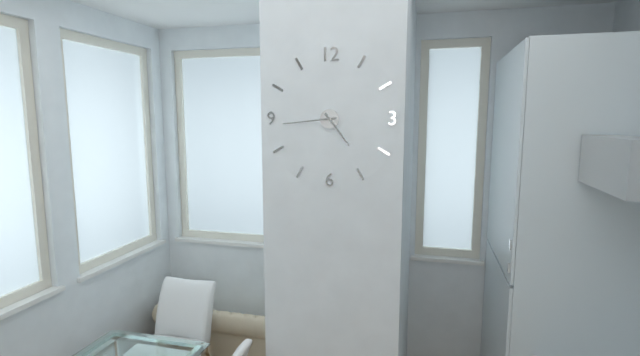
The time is h=4 m=44
